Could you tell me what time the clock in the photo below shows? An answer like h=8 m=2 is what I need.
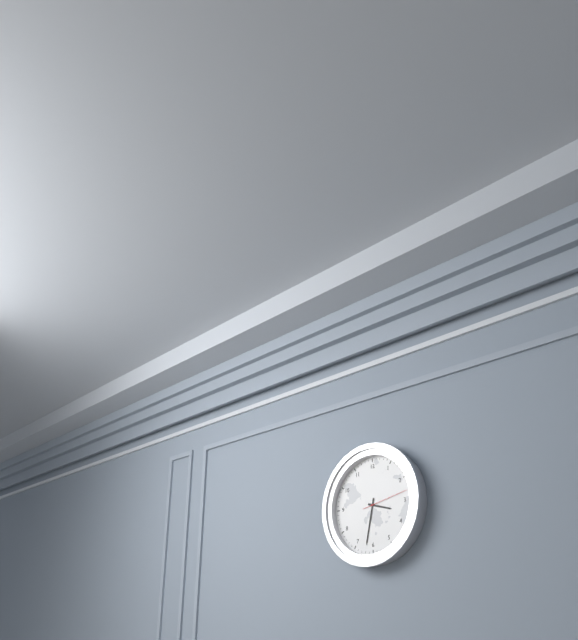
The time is h=3 m=32
